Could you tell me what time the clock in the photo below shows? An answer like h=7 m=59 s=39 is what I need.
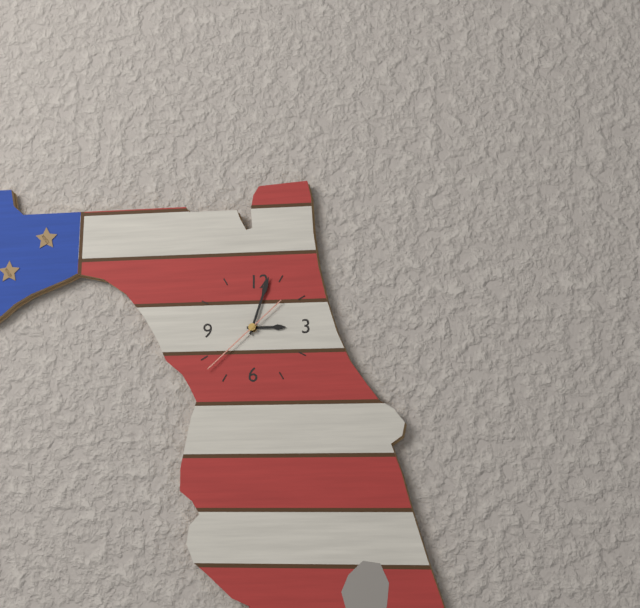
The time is h=3 m=3 s=38
